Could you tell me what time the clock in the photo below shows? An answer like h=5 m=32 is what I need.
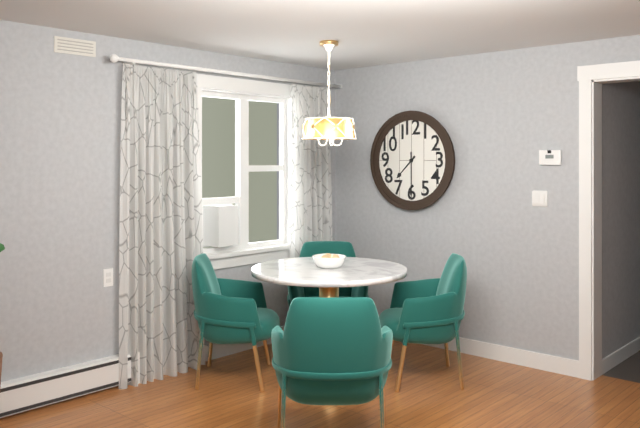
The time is h=7 m=30
